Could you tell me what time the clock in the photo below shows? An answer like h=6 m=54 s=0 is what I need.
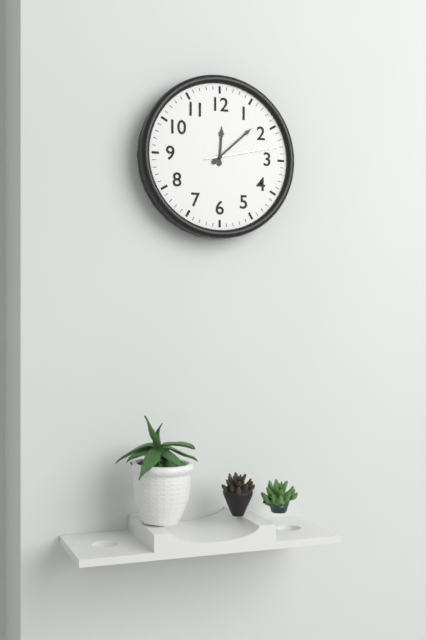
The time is h=12 m=8 s=13
